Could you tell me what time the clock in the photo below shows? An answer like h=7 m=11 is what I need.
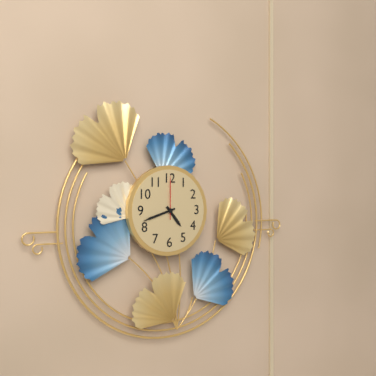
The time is h=4 m=42
